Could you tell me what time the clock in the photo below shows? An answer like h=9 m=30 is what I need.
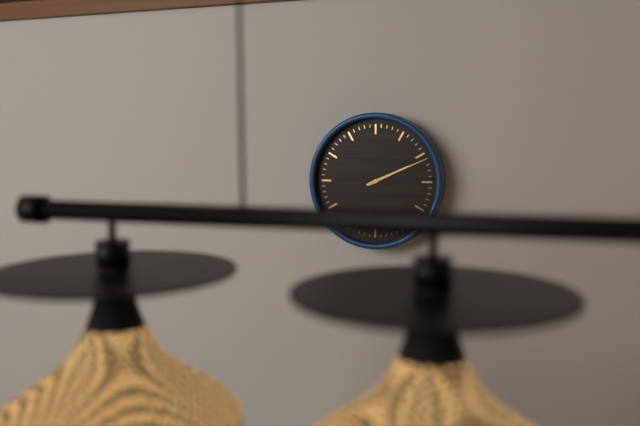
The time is h=2 m=11
